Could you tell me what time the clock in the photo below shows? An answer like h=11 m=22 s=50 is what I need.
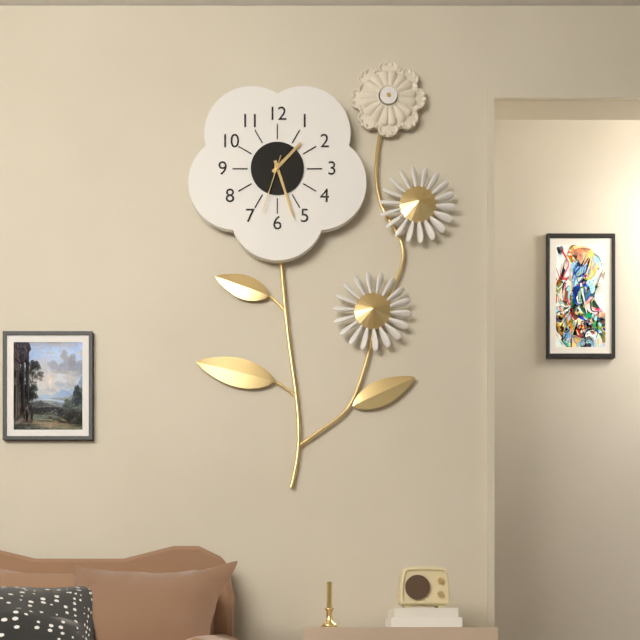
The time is h=1 m=27 s=33
